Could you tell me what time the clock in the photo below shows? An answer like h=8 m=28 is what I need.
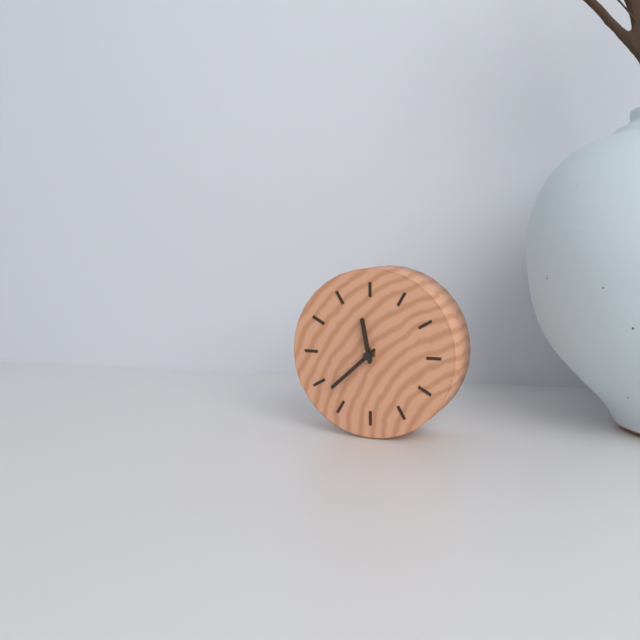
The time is h=11 m=38
